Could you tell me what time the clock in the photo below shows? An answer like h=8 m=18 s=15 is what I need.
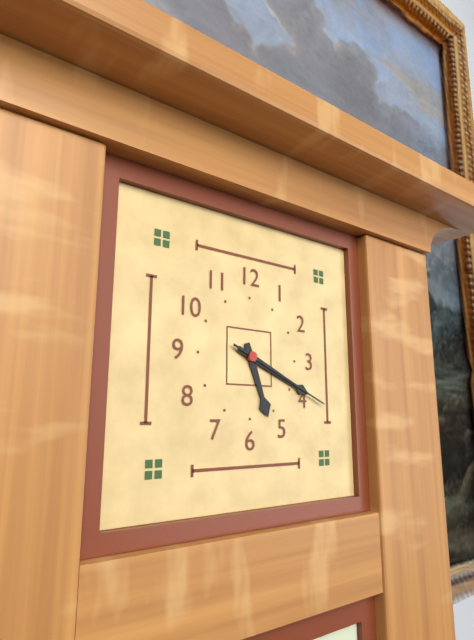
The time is h=5 m=19 s=19
